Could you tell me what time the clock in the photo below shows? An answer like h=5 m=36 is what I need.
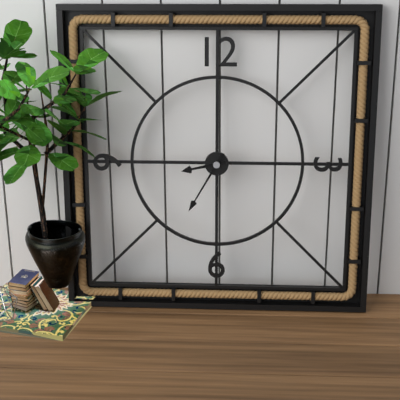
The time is h=8 m=35
